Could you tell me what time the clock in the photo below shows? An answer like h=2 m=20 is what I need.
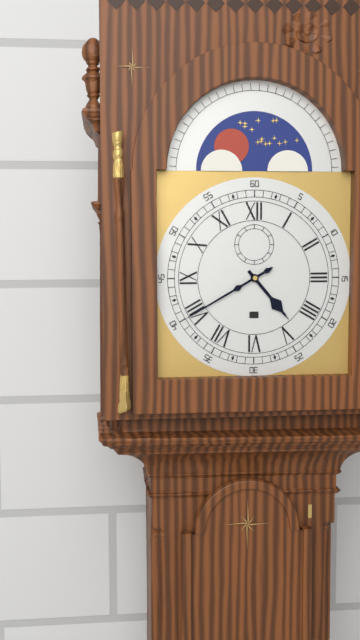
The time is h=4 m=40
